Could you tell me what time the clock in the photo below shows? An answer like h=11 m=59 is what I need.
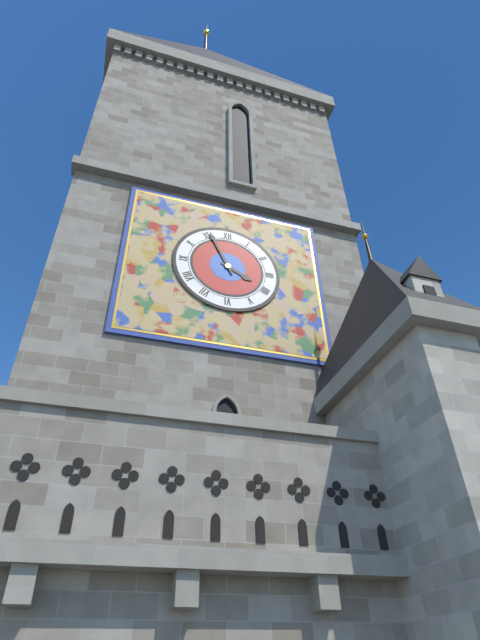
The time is h=3 m=56
